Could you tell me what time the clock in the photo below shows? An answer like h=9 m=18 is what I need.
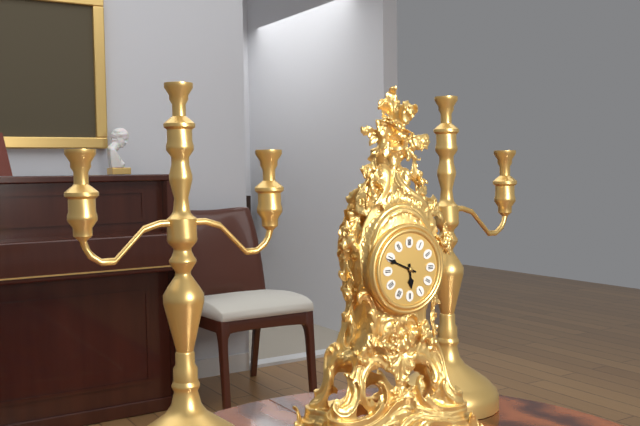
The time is h=5 m=49
